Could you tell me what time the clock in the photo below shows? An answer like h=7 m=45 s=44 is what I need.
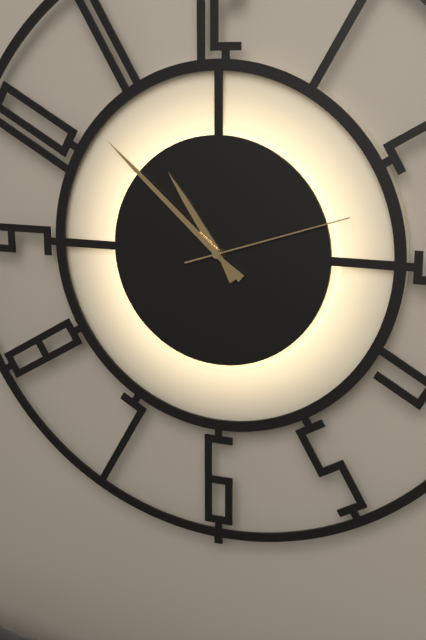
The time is h=10 m=52 s=12
